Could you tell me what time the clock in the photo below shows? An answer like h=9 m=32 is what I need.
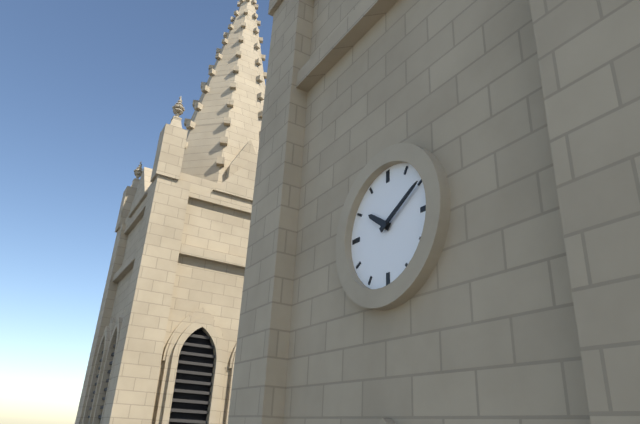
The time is h=10 m=10
